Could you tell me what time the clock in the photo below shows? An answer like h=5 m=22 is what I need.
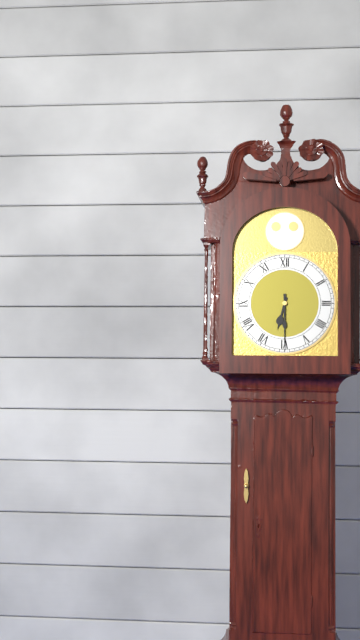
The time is h=6 m=30
